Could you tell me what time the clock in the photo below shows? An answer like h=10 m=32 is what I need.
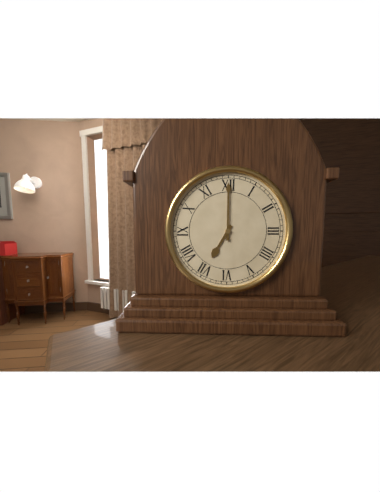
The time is h=7 m=0
